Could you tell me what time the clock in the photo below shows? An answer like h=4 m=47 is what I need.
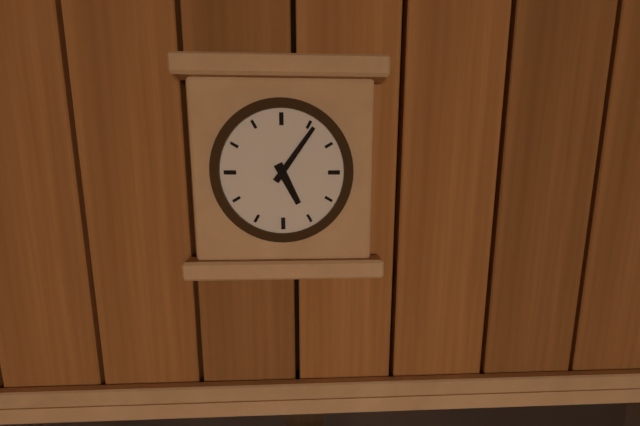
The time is h=5 m=6
